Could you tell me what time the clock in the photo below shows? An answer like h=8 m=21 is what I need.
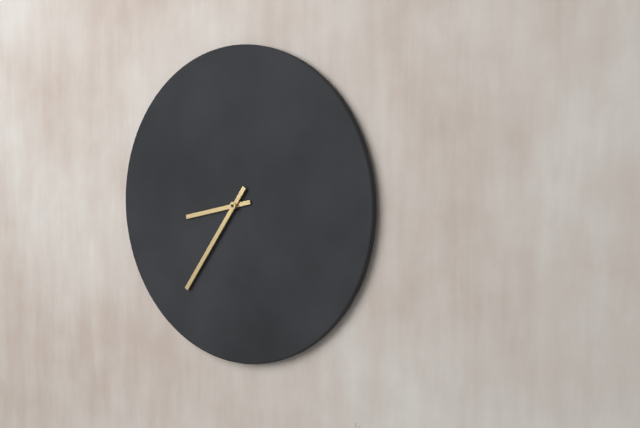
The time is h=8 m=36
